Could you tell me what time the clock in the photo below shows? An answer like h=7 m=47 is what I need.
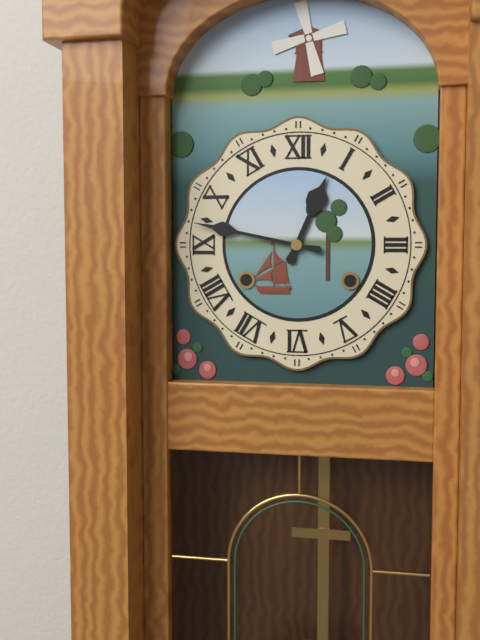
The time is h=12 m=47
